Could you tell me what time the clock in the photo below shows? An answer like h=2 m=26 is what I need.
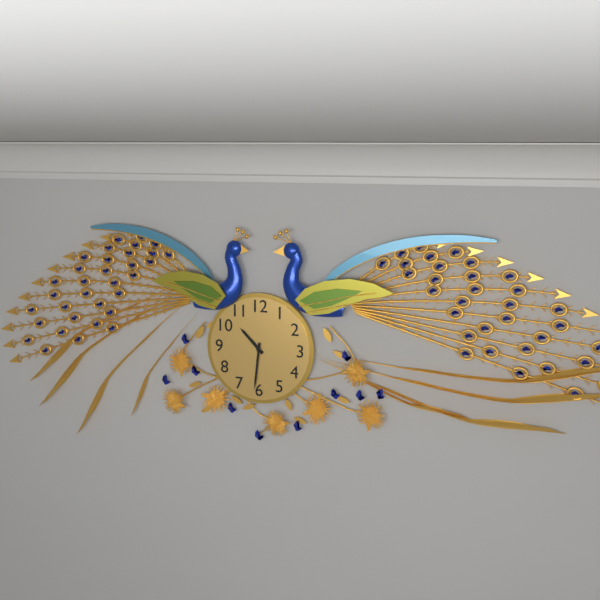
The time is h=10 m=31
